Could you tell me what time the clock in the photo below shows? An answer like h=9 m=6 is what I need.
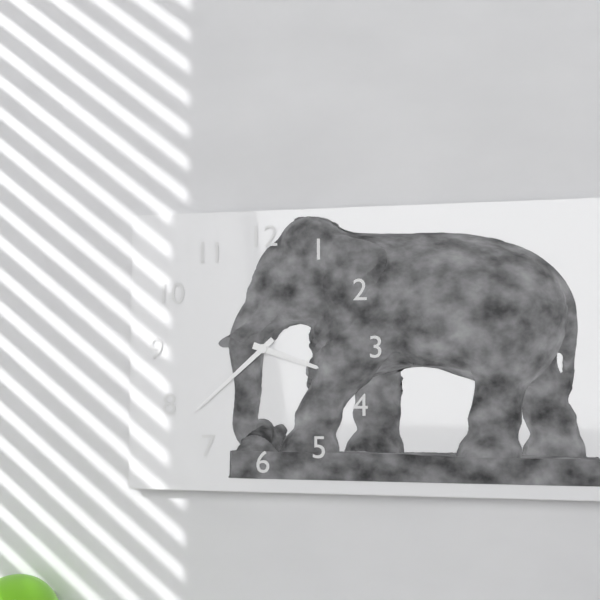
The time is h=3 m=38
